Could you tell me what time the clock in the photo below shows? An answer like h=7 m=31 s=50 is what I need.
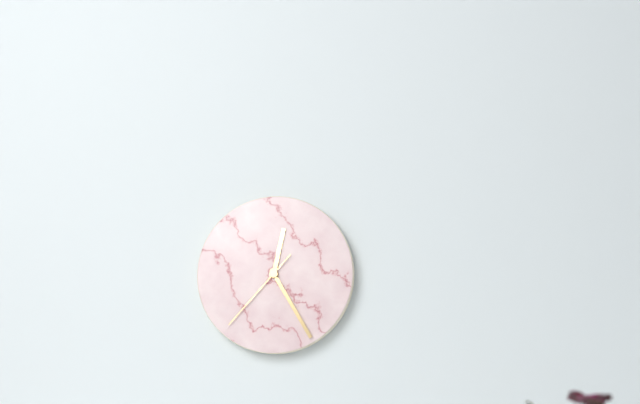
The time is h=12 m=25 s=37
